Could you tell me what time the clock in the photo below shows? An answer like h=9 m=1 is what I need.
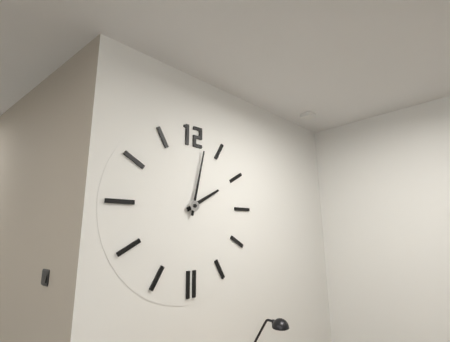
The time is h=2 m=2
